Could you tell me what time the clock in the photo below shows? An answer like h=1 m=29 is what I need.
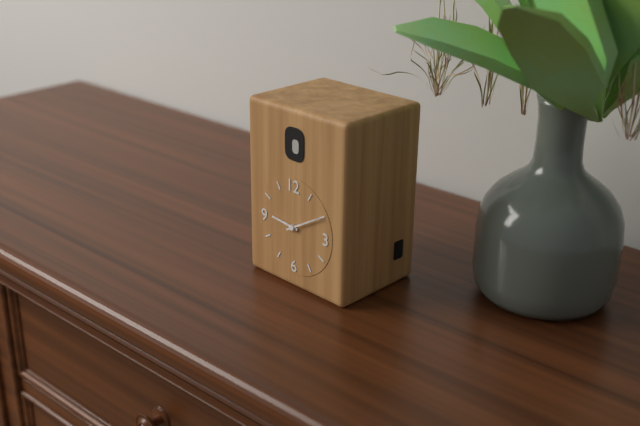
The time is h=9 m=10
